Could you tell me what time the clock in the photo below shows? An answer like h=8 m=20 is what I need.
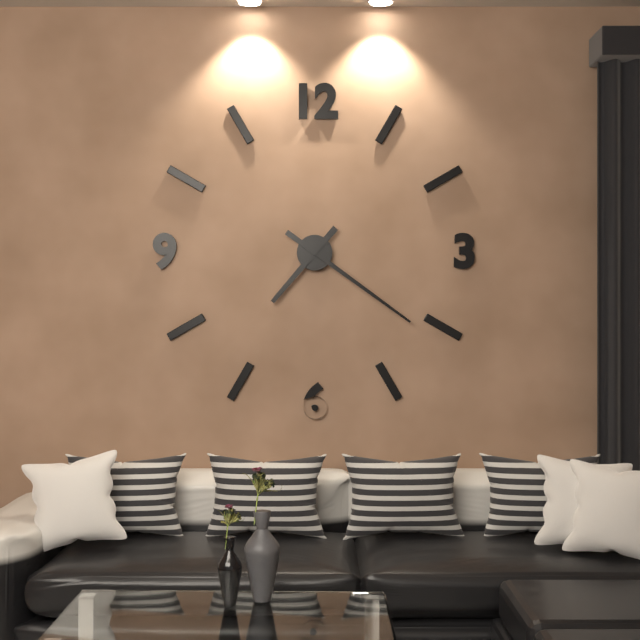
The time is h=7 m=21
